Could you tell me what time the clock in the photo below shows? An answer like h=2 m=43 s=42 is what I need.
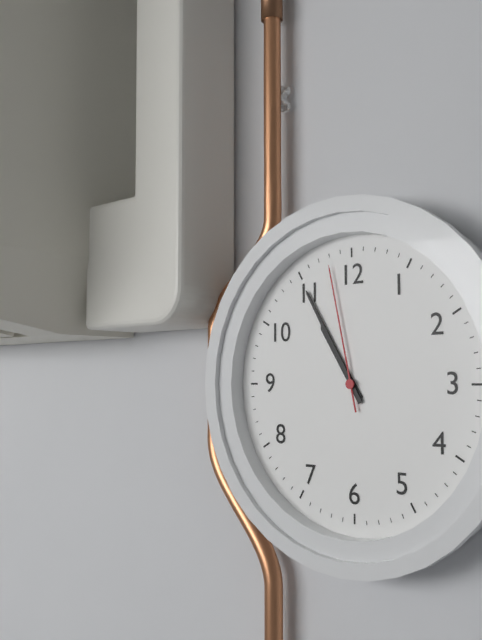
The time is h=10 m=55 s=58
